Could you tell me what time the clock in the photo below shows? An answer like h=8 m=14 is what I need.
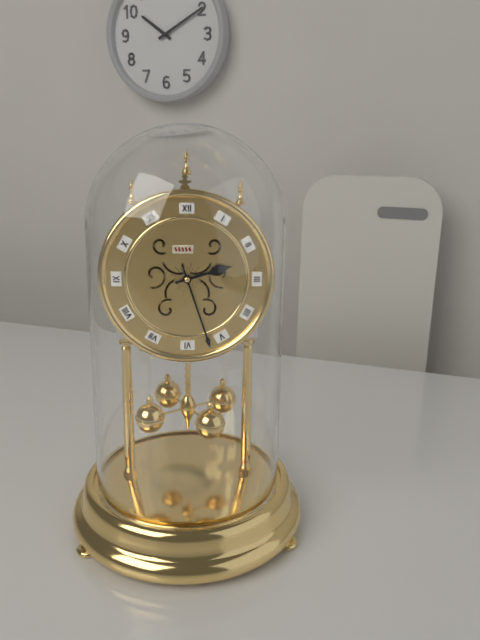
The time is h=2 m=27
